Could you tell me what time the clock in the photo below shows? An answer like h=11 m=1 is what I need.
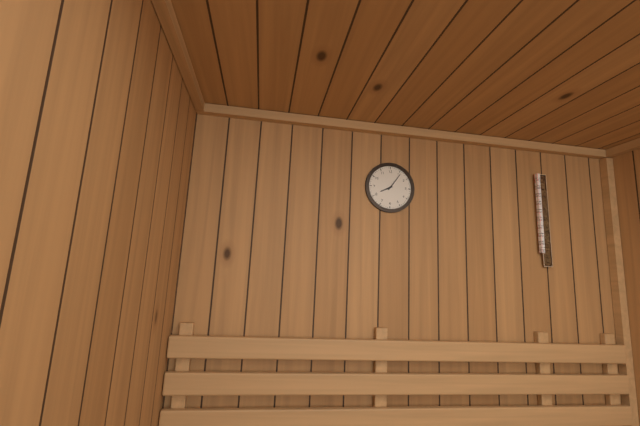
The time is h=8 m=6
